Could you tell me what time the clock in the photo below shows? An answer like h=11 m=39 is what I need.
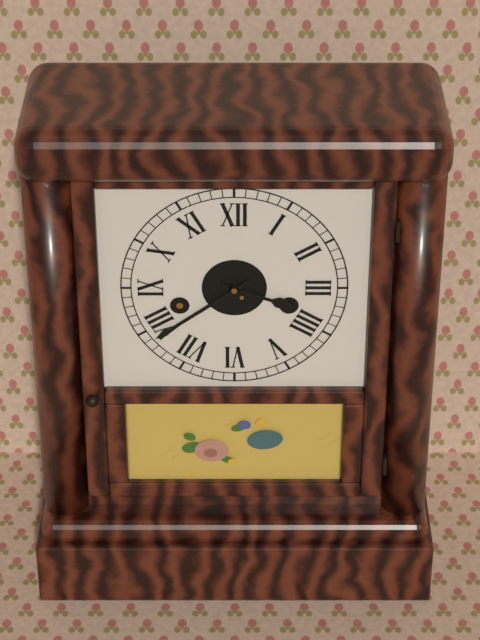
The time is h=3 m=39
